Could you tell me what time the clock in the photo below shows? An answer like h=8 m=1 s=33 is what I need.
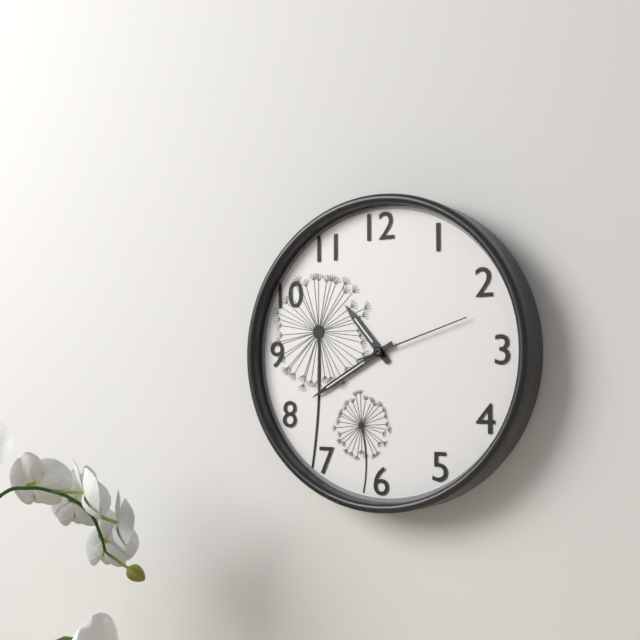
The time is h=10 m=40 s=12
